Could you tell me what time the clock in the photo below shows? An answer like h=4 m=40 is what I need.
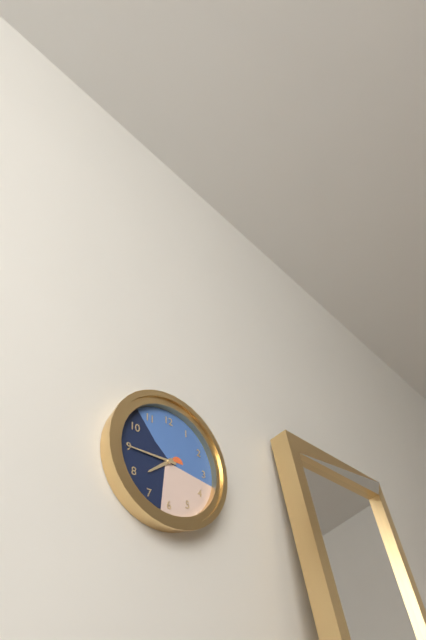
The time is h=7 m=45
